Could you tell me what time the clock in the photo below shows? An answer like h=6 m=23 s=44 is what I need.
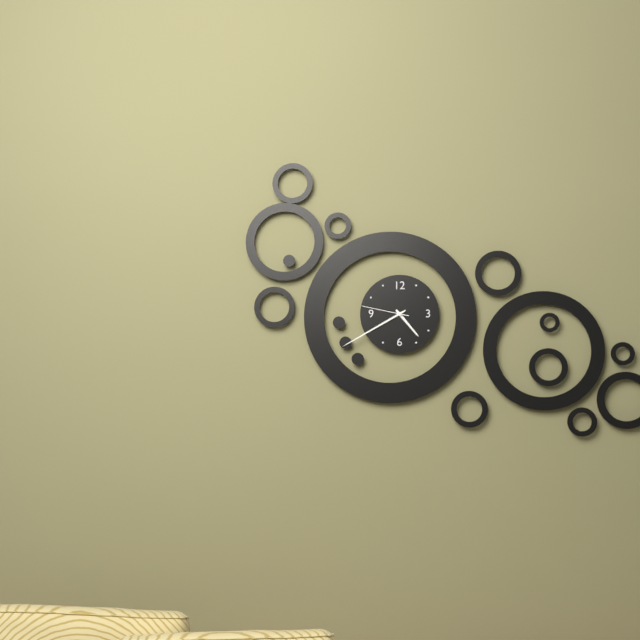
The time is h=4 m=40 s=47
